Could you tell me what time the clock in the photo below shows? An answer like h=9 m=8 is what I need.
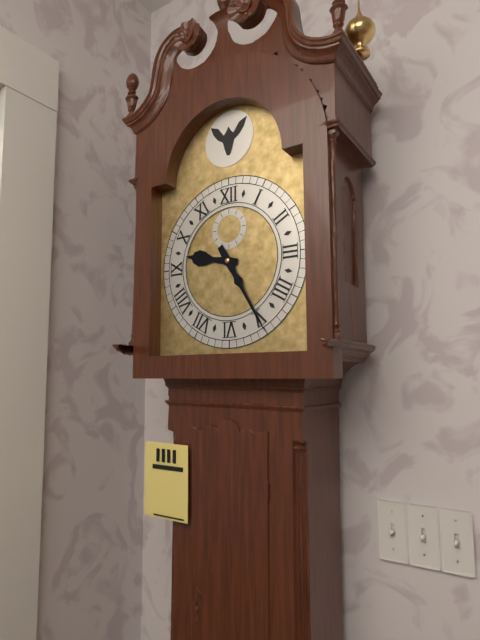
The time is h=9 m=25
